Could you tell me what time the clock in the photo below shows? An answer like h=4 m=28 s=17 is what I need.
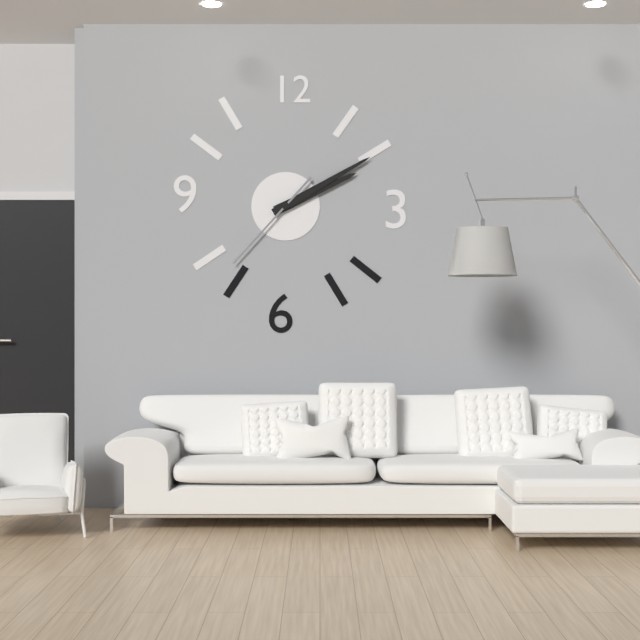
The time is h=2 m=10 s=37
